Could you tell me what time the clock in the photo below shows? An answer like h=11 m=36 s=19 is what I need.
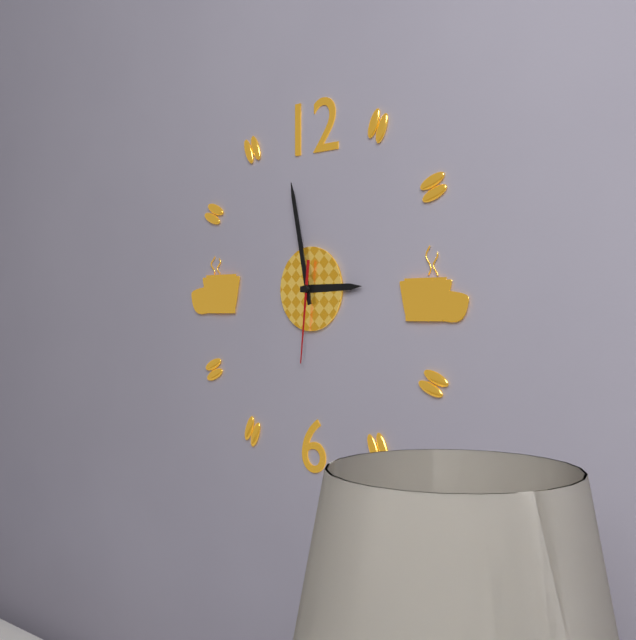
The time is h=2 m=58 s=31
